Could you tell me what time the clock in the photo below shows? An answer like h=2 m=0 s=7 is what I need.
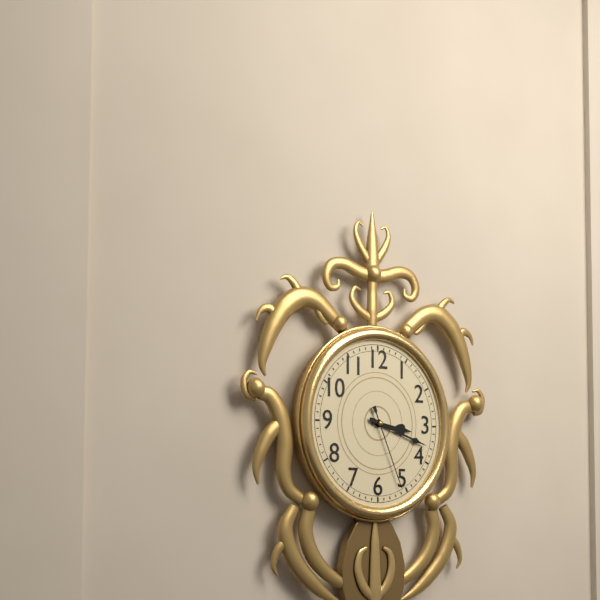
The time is h=3 m=18 s=26
